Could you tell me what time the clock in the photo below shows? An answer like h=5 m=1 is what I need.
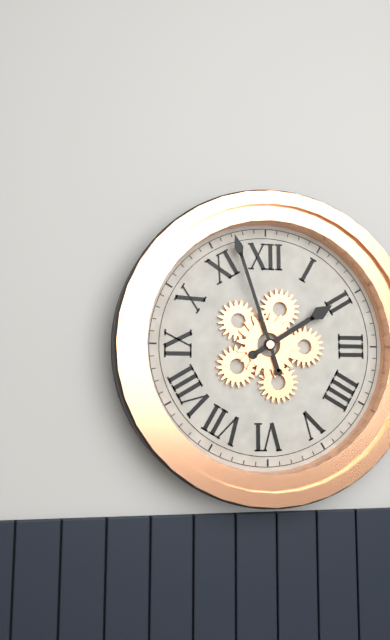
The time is h=1 m=57
